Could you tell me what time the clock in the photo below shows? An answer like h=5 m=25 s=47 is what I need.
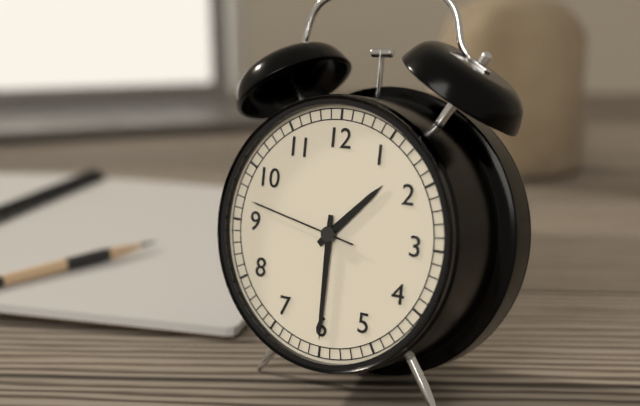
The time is h=1 m=30 s=47
